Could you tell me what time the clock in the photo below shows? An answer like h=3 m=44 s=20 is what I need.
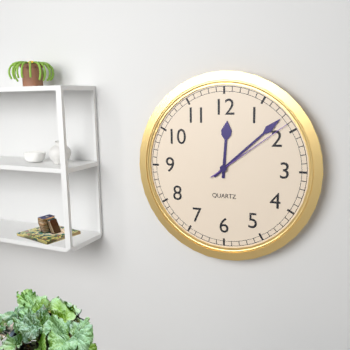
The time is h=12 m=8 s=9
